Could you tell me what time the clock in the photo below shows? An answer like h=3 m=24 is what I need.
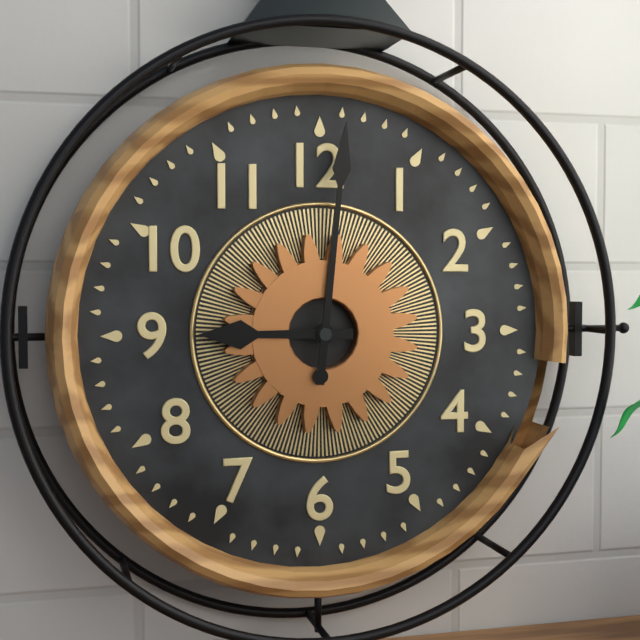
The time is h=9 m=1
